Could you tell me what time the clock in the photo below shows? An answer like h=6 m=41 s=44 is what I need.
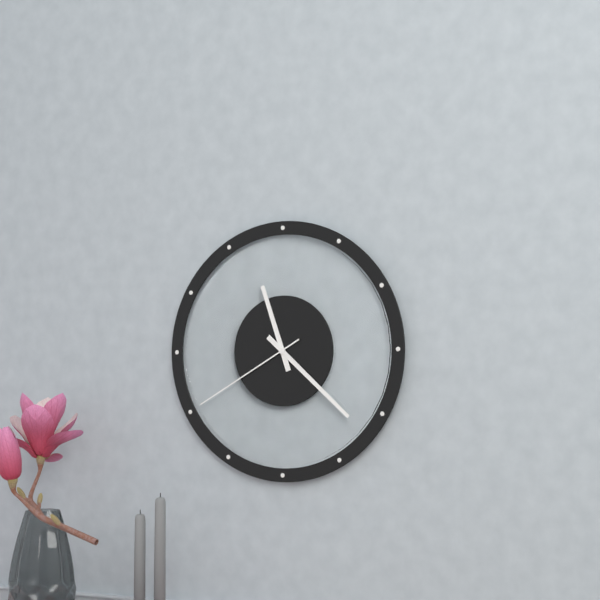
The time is h=11 m=22 s=40
